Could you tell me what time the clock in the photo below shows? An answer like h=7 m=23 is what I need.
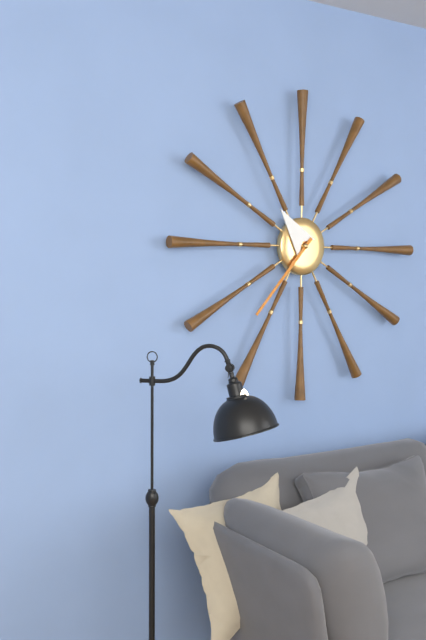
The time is h=10 m=37
